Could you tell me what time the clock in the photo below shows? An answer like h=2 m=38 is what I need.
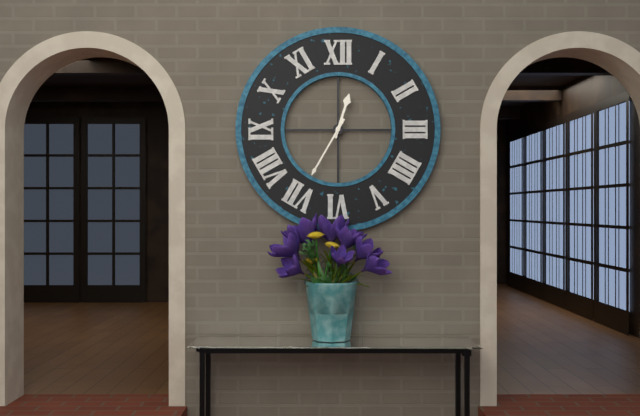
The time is h=12 m=35
